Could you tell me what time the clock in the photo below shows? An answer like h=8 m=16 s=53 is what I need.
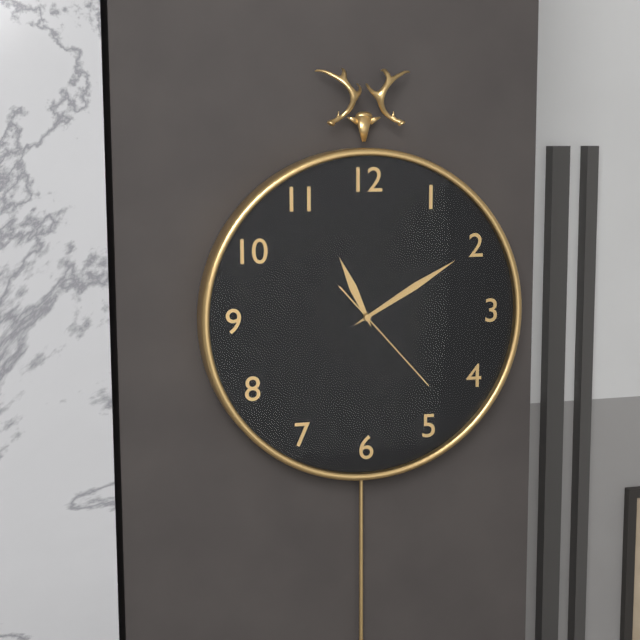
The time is h=11 m=10 s=23
